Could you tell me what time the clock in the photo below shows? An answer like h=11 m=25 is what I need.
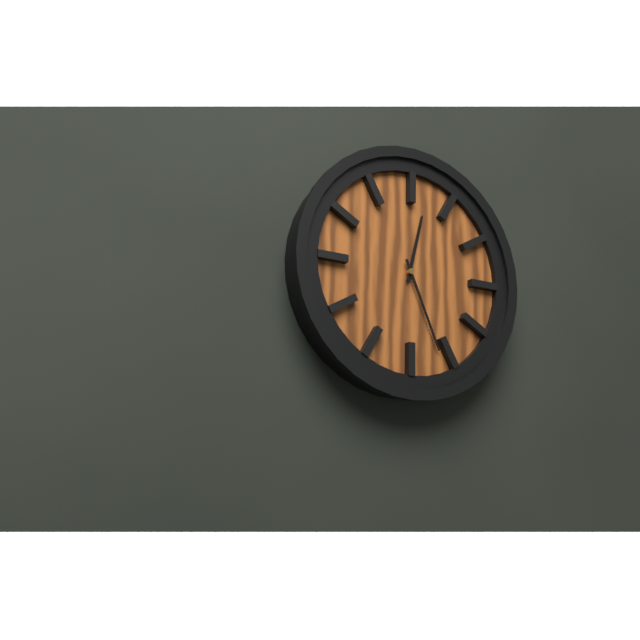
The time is h=12 m=26
